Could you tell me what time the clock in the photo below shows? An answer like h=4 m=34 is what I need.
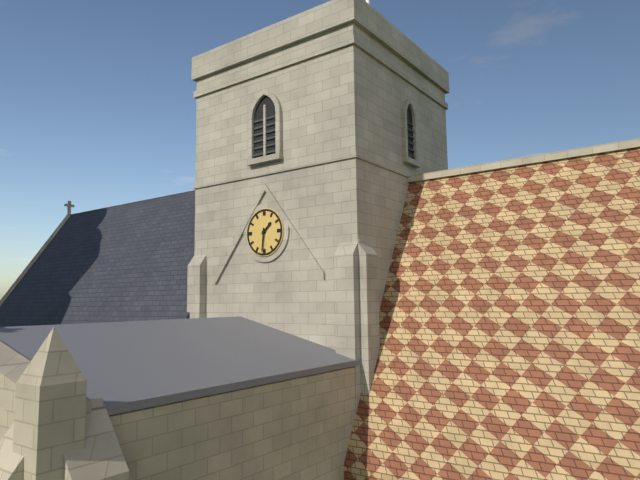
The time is h=1 m=31
